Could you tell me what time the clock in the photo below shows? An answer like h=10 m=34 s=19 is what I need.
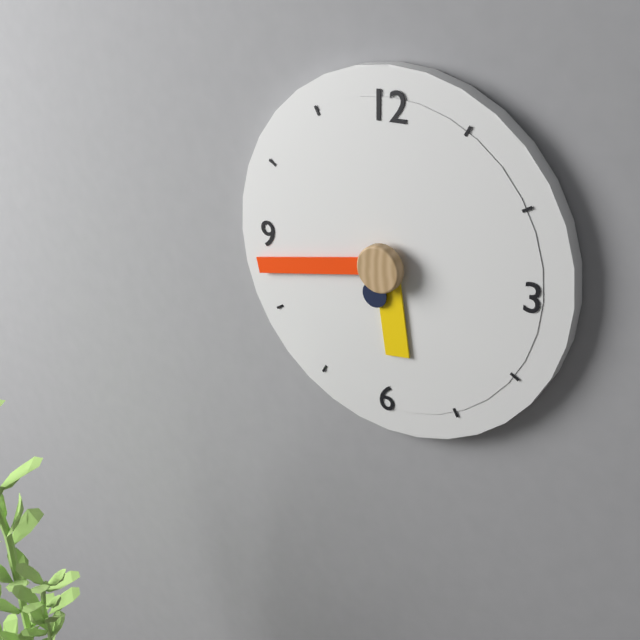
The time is h=5 m=43 s=33
